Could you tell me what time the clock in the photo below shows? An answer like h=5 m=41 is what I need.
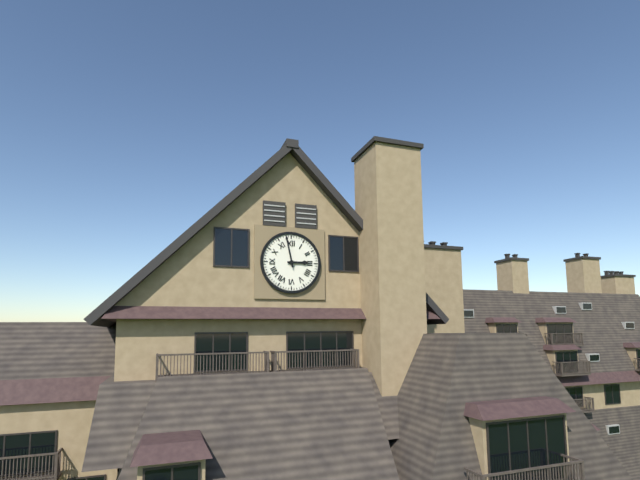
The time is h=2 m=58
